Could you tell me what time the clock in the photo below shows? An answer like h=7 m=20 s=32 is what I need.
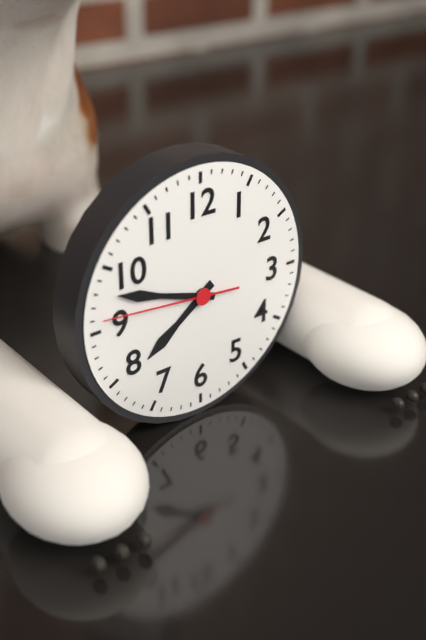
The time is h=7 m=48 s=46
